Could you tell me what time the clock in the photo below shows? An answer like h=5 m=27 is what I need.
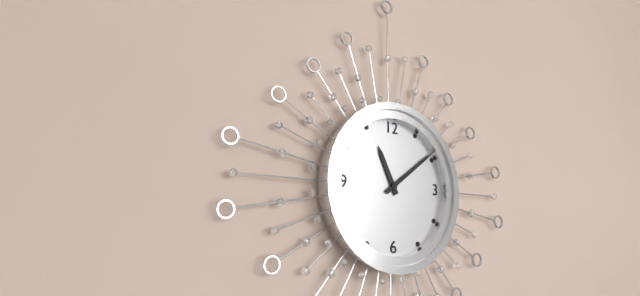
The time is h=11 m=9
